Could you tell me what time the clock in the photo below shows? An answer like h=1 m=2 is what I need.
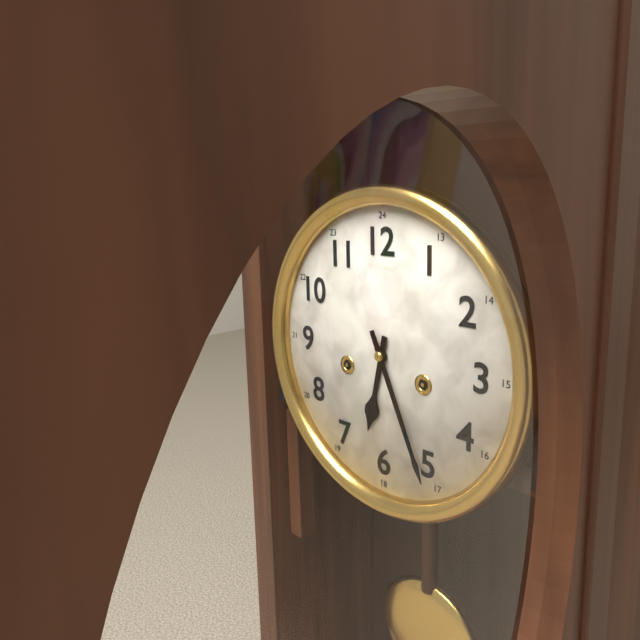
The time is h=6 m=26
